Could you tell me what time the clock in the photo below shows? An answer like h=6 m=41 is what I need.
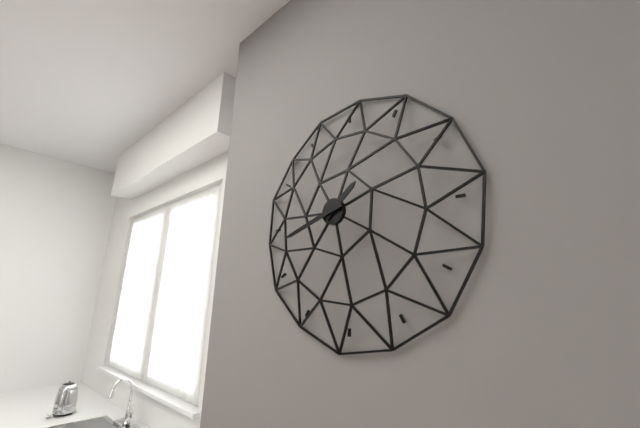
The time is h=1 m=42
